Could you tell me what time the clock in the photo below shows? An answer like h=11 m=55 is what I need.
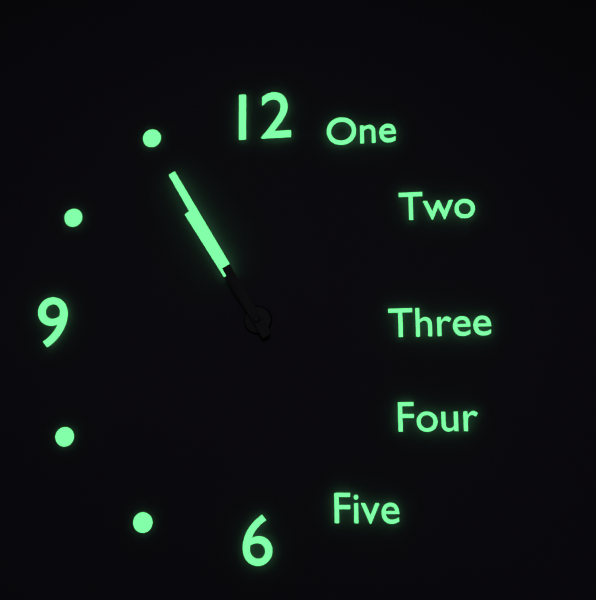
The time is h=10 m=55
